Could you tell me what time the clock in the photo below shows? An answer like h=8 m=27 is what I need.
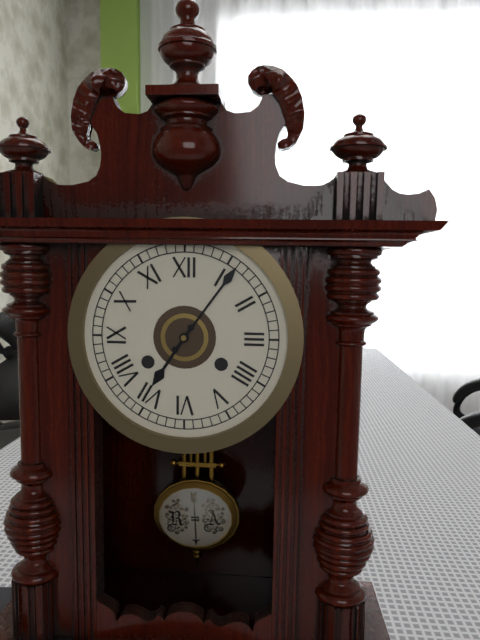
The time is h=7 m=6
